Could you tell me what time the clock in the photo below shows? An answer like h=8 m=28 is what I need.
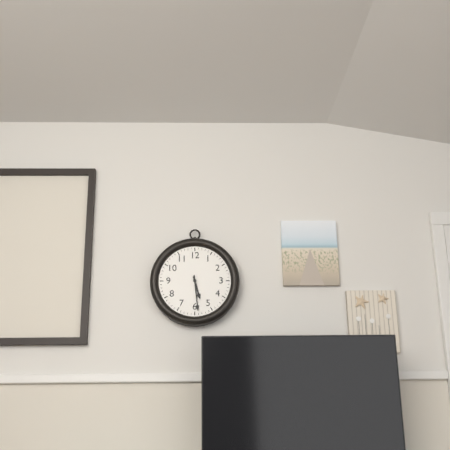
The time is h=5 m=29
